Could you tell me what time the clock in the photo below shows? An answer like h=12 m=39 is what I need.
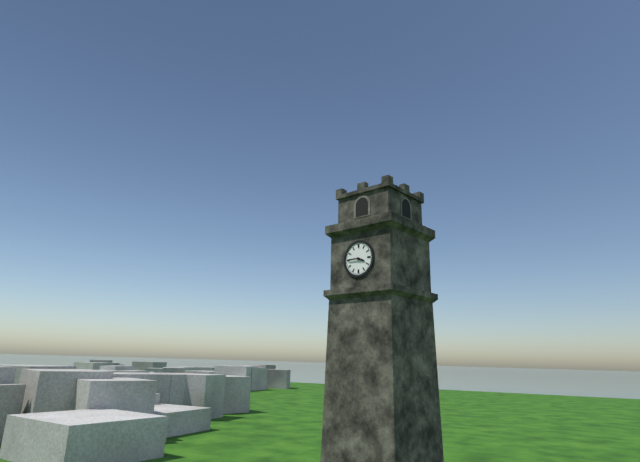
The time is h=3 m=45
